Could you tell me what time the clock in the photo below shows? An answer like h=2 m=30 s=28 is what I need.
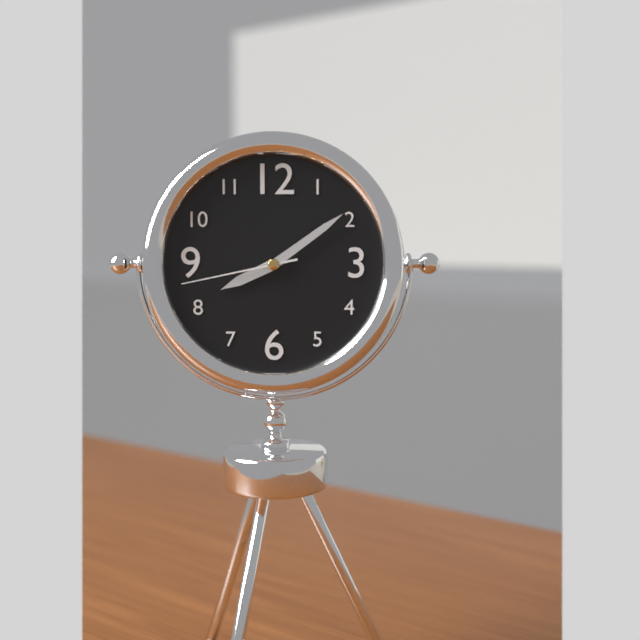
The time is h=8 m=9 s=43
